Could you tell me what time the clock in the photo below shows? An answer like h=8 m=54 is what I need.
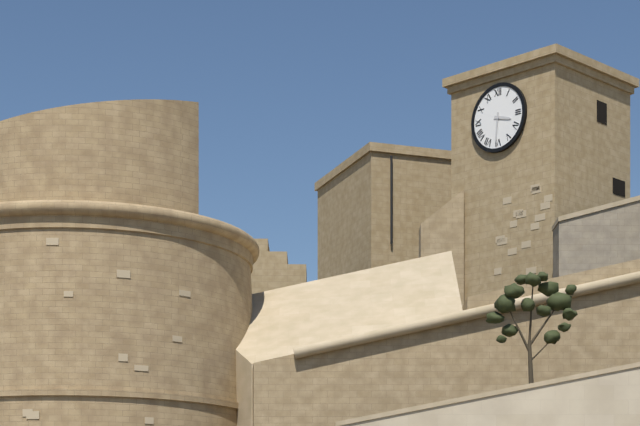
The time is h=3 m=31
